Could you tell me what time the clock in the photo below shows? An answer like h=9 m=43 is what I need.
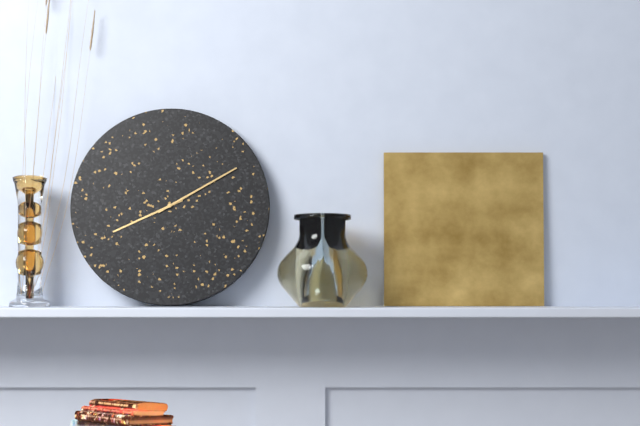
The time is h=8 m=10
